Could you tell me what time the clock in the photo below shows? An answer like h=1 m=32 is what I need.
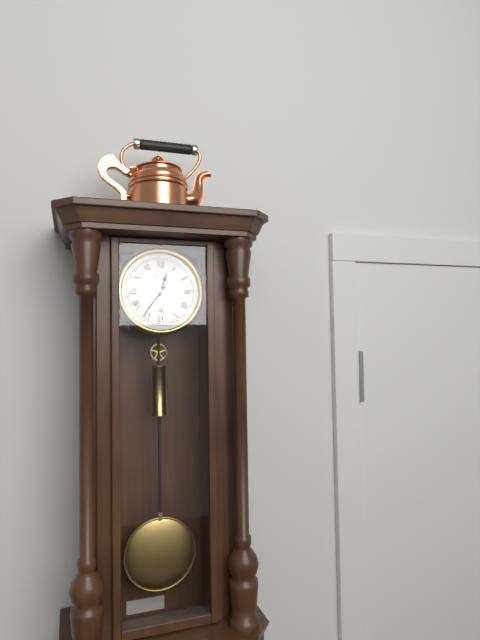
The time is h=12 m=36
